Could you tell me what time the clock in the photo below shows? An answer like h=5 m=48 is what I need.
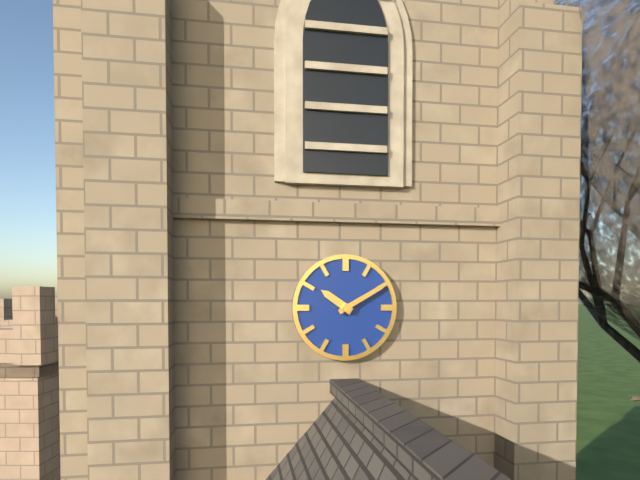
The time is h=10 m=10
